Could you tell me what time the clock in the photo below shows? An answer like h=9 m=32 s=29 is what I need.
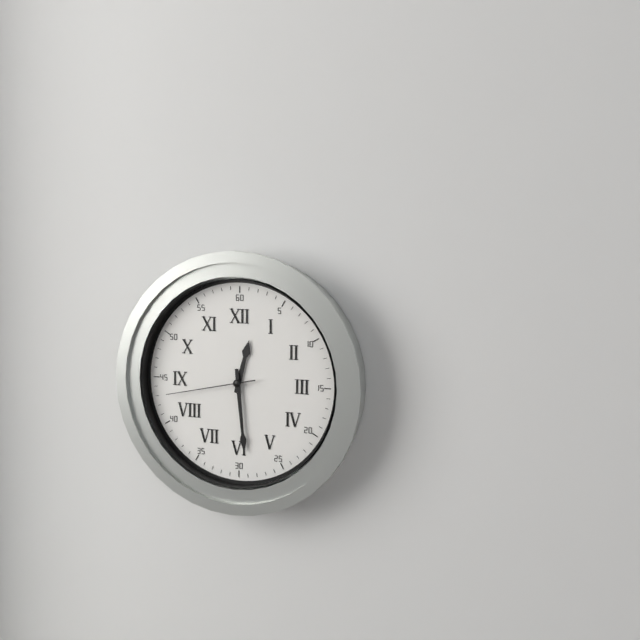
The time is h=12 m=29 s=43
